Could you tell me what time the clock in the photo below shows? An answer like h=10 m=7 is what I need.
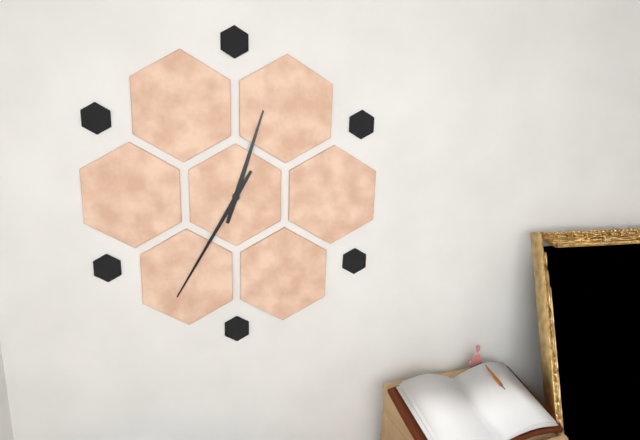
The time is h=12 m=35
